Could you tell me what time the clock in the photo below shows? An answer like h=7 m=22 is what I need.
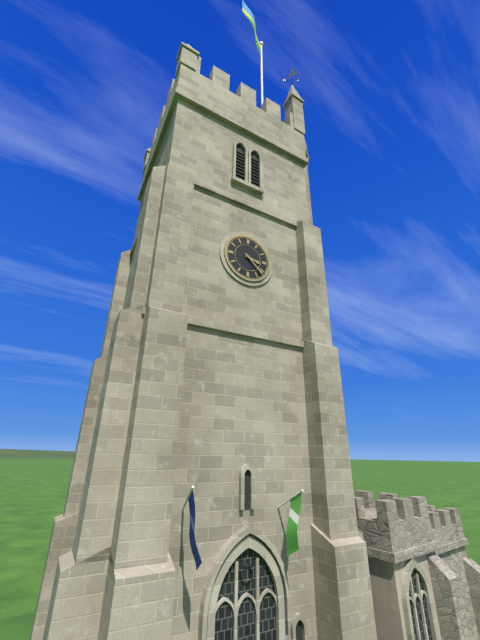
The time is h=3 m=22
